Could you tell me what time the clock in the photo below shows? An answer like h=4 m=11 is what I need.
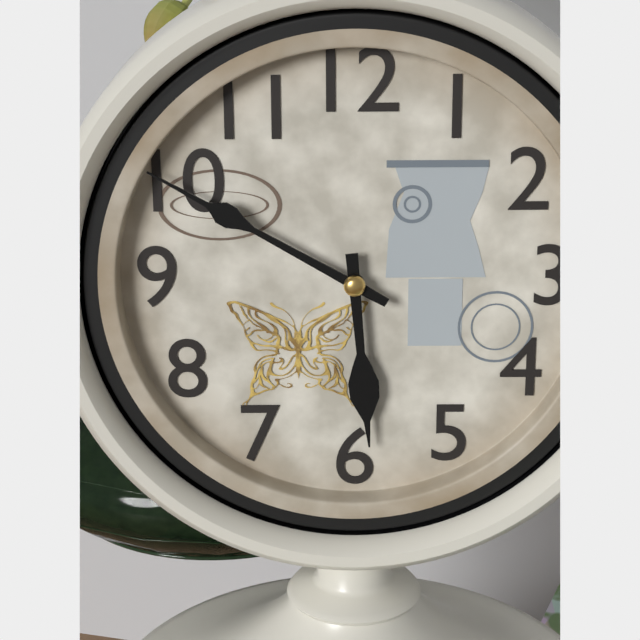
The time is h=5 m=50
